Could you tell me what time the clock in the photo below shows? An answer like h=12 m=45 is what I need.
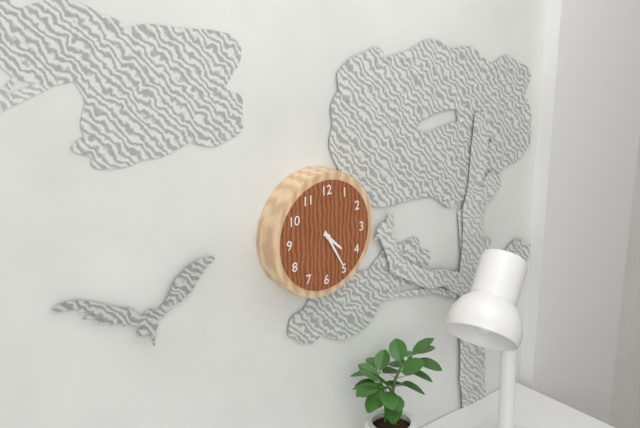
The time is h=4 m=25
